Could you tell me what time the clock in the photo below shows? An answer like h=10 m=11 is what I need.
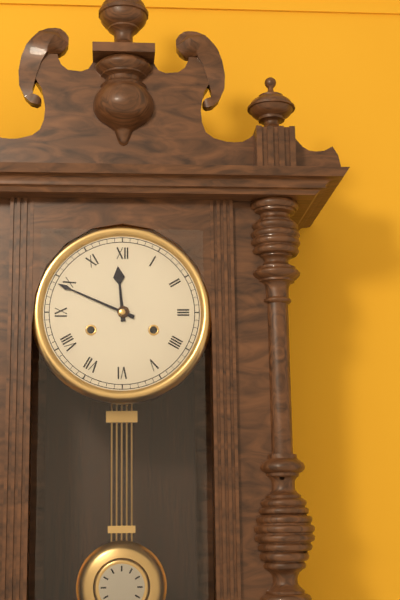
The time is h=11 m=49
